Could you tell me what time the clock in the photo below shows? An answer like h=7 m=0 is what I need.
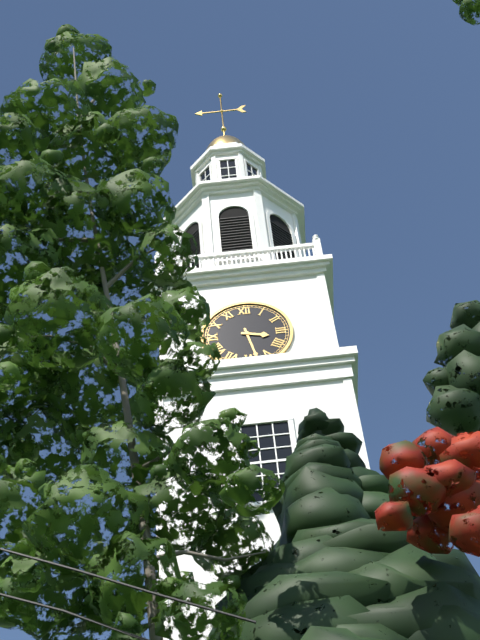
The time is h=3 m=28
